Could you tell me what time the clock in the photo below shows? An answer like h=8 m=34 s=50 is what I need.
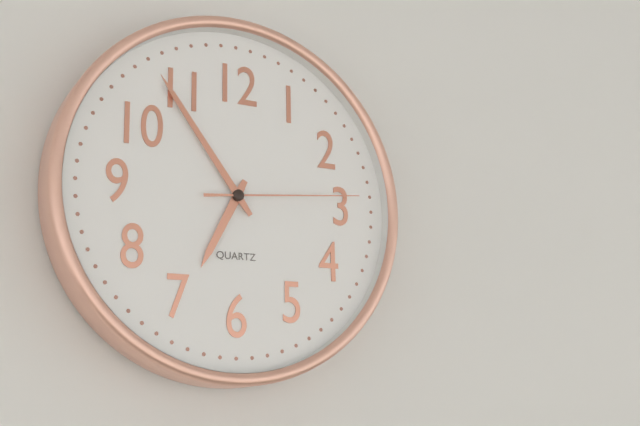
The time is h=6 m=54 s=14
